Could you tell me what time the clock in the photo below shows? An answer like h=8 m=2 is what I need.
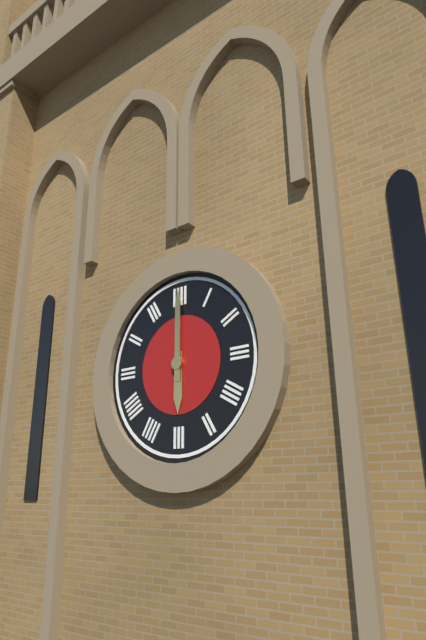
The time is h=6 m=0
